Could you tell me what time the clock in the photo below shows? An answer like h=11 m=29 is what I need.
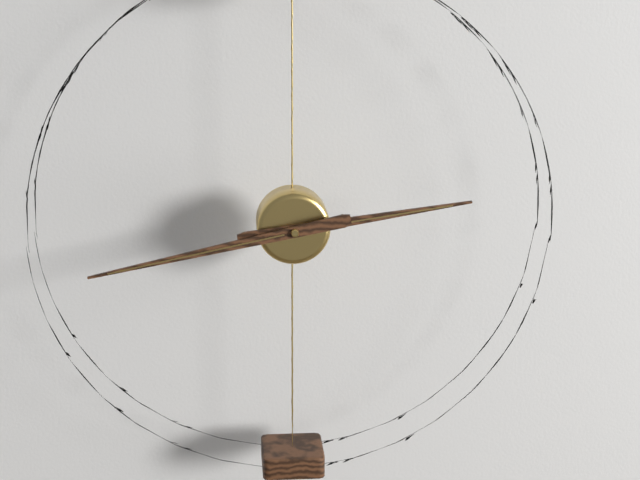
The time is h=2 m=43
